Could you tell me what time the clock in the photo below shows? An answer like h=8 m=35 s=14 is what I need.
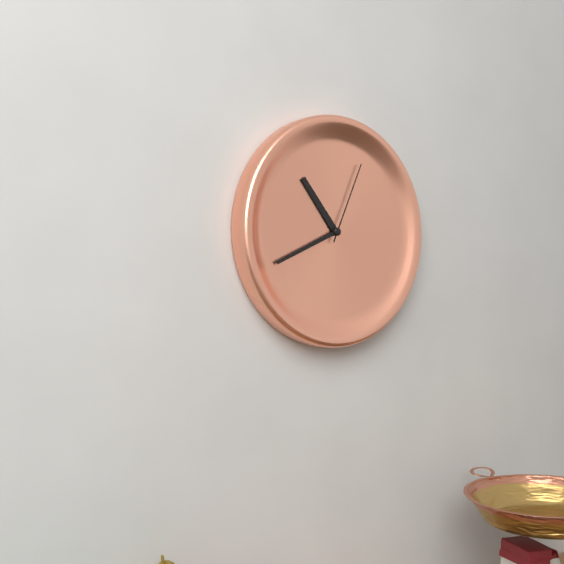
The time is h=10 m=41 s=4
